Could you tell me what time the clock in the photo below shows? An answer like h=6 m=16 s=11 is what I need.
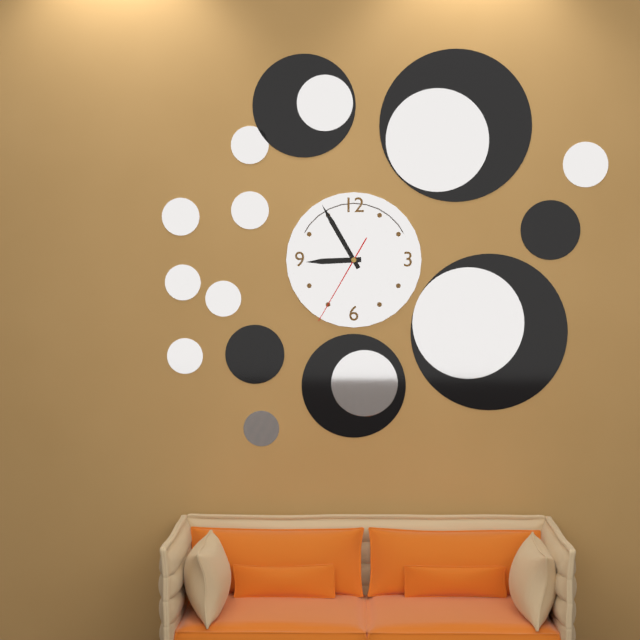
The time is h=8 m=55 s=35
